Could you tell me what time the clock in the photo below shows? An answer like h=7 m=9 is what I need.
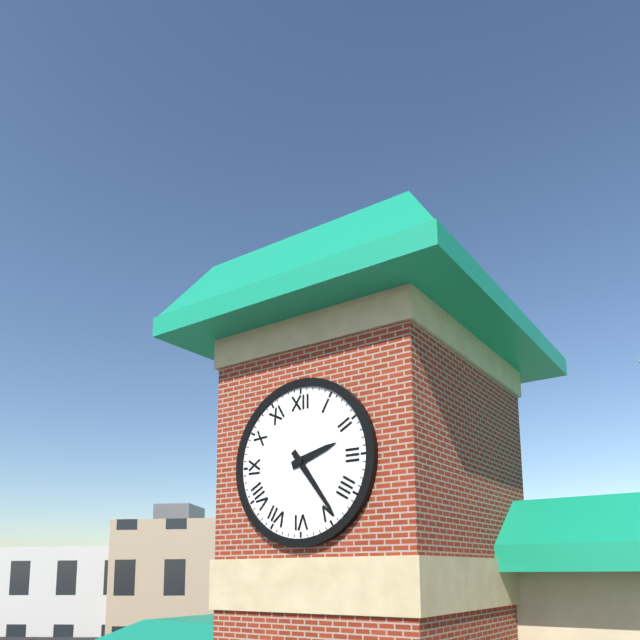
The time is h=2 m=24
